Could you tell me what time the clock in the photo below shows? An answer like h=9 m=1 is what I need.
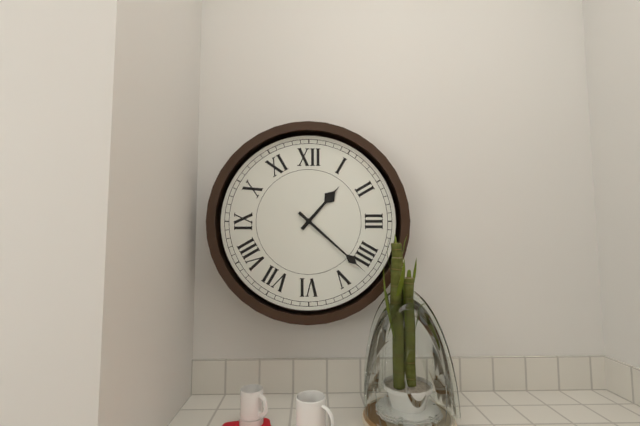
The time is h=1 m=22
